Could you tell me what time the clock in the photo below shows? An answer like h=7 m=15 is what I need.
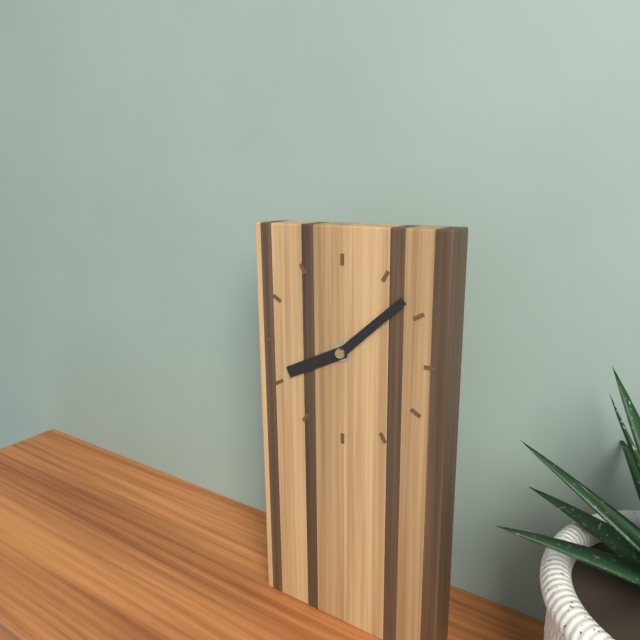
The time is h=8 m=8
